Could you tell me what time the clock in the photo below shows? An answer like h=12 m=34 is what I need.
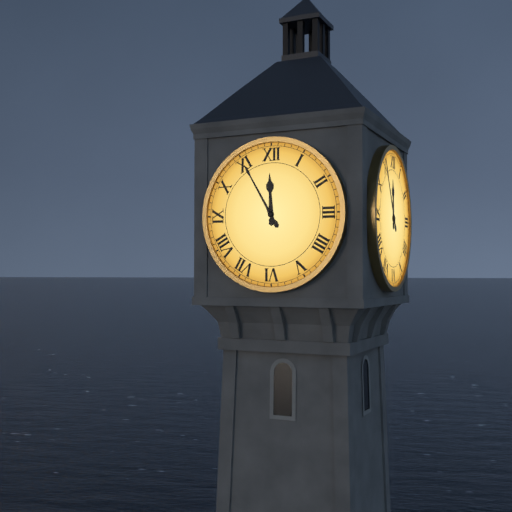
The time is h=11 m=55
